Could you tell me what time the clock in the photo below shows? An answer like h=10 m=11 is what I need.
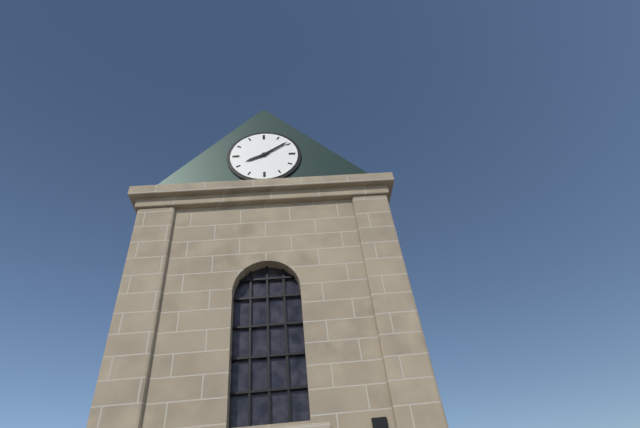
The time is h=8 m=9
